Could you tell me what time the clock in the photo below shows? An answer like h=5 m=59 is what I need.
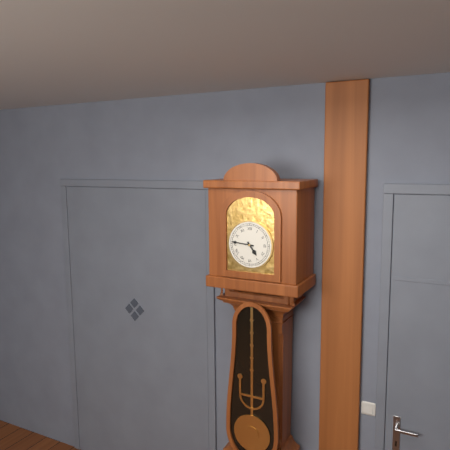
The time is h=4 m=46
